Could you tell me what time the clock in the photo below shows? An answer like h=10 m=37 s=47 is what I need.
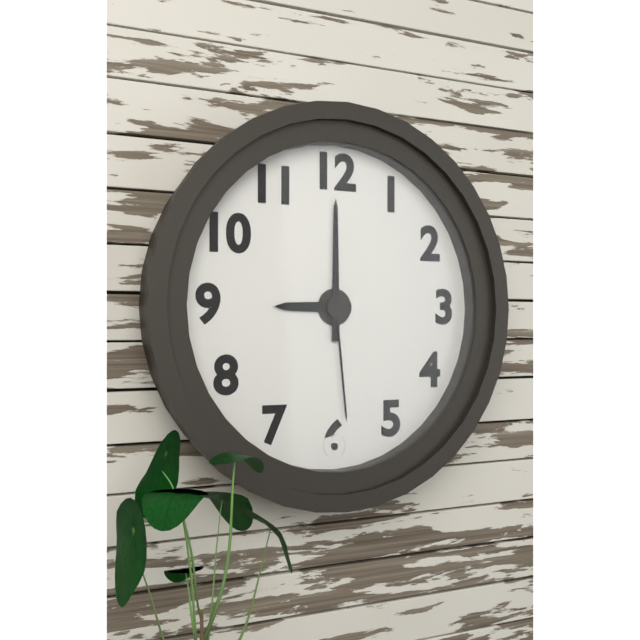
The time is h=9 m=0 s=29
